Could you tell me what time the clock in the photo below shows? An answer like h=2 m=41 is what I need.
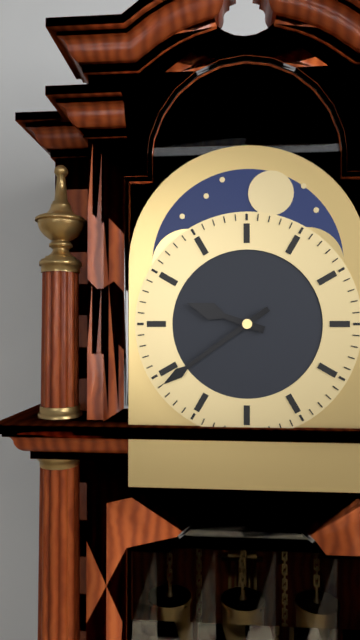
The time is h=9 m=39
